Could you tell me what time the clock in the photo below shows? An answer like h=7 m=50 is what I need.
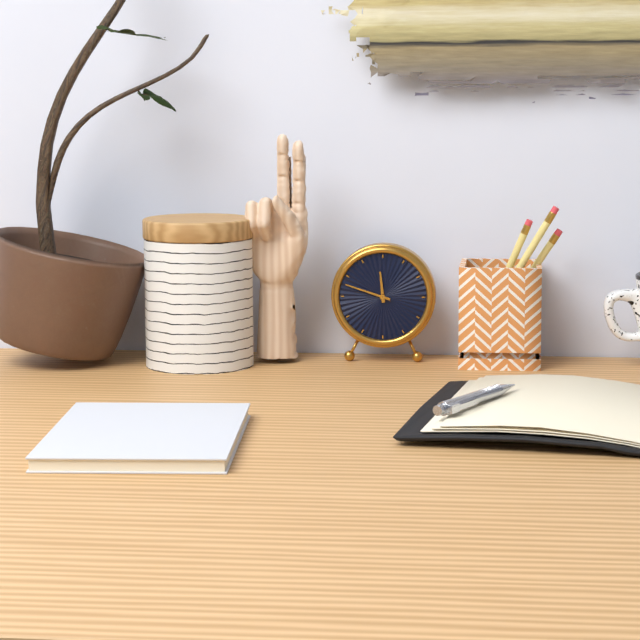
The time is h=11 m=48
